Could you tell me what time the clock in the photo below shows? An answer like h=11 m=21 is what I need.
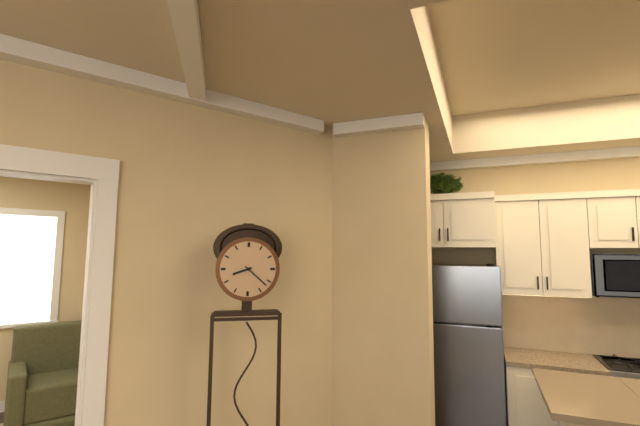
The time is h=8 m=22
